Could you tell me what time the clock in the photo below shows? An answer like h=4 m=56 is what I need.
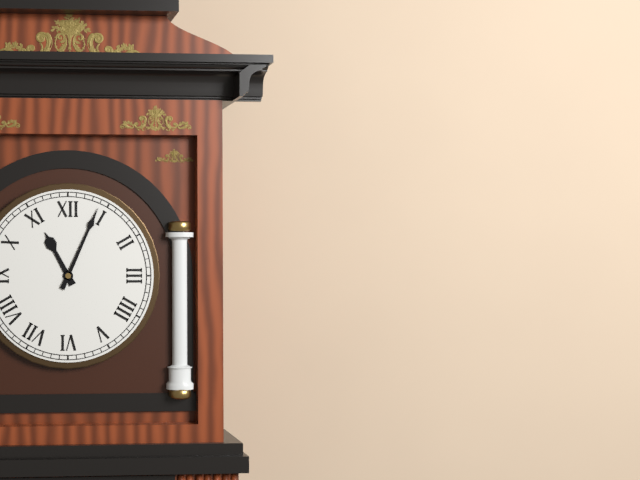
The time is h=11 m=4
